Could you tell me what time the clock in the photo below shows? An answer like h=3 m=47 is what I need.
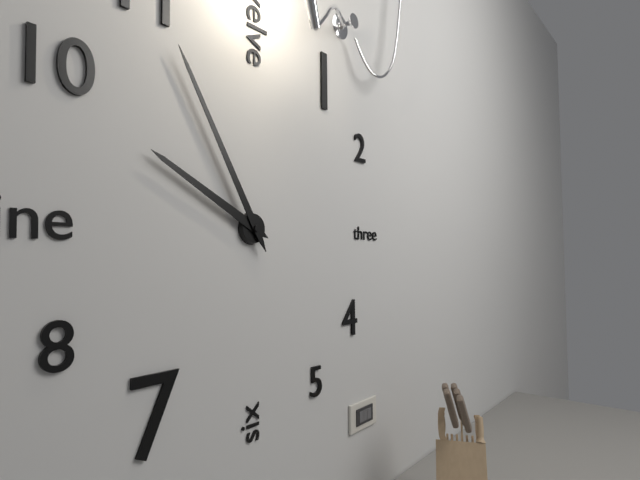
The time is h=9 m=55
